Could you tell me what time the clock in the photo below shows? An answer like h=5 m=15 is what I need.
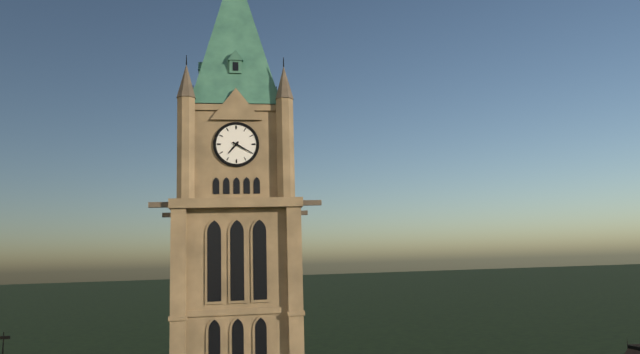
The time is h=7 m=20
